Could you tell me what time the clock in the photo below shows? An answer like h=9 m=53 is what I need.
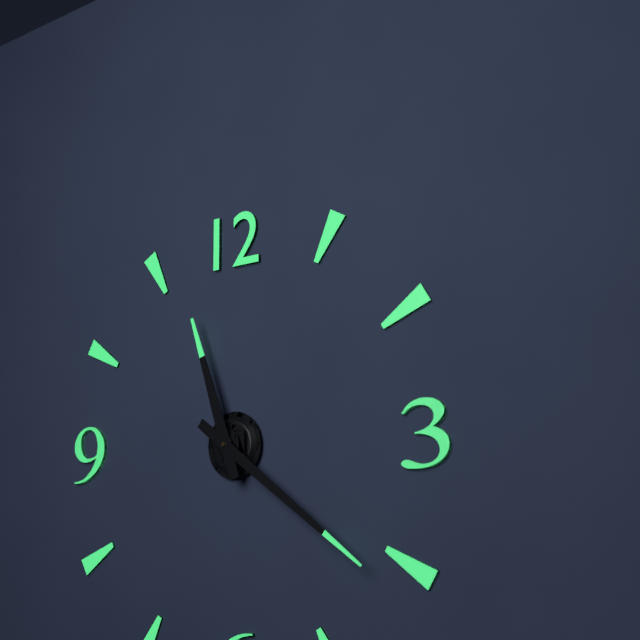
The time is h=11 m=21
